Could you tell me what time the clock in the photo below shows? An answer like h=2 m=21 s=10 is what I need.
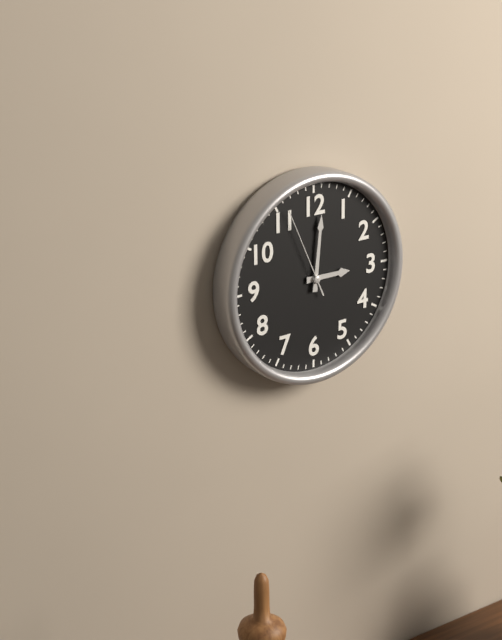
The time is h=3 m=1 s=56
